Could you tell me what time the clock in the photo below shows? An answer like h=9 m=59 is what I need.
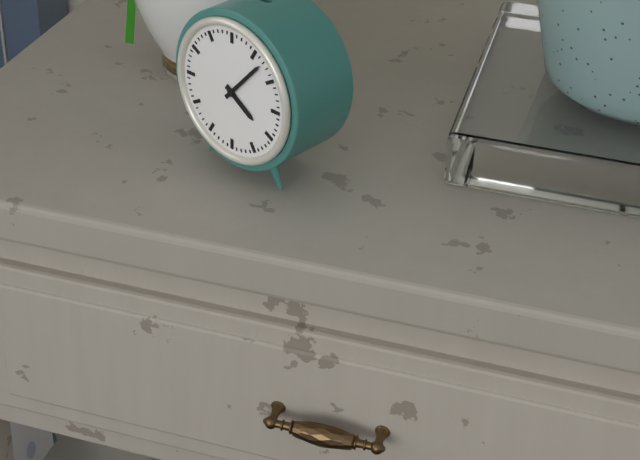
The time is h=4 m=7
